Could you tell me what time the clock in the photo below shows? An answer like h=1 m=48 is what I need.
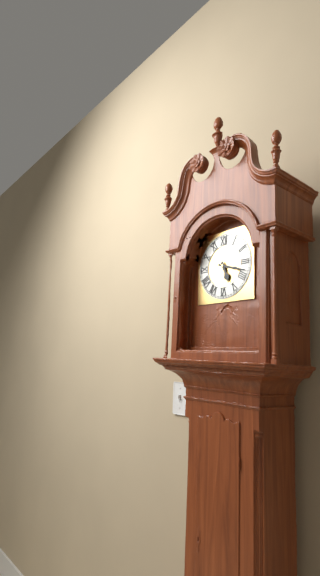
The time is h=5 m=18
